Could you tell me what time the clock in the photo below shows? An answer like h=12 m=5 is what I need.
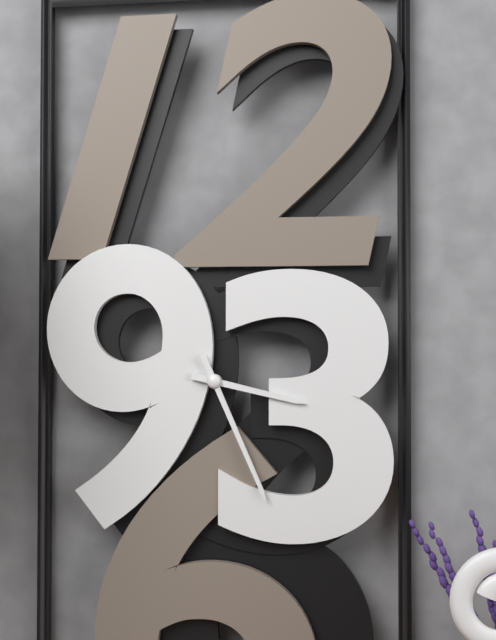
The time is h=3 m=26
